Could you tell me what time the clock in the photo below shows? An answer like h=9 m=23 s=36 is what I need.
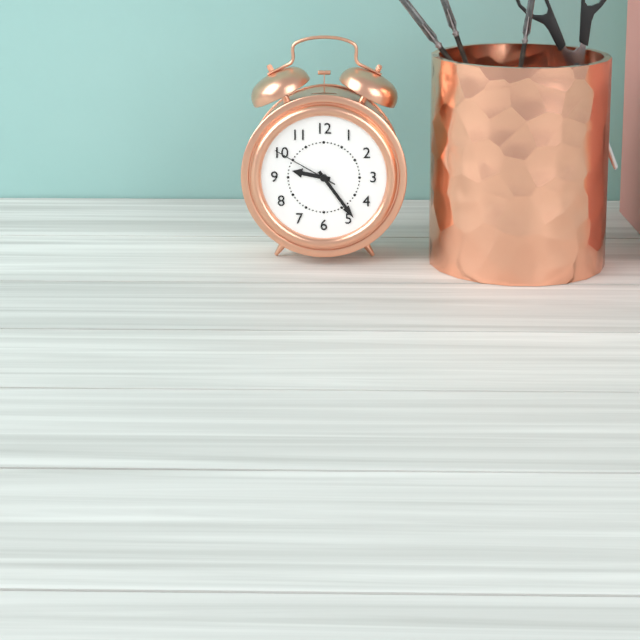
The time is h=9 m=24 s=50
